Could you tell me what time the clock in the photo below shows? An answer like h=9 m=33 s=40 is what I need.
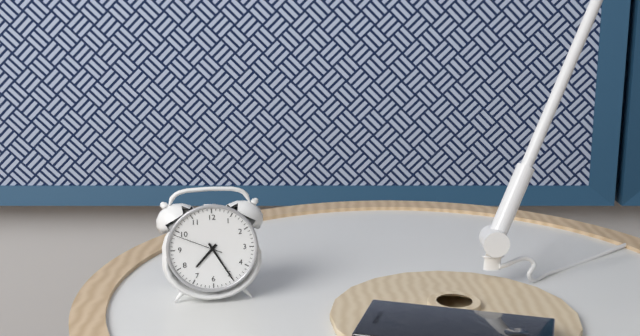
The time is h=7 m=25 s=49
